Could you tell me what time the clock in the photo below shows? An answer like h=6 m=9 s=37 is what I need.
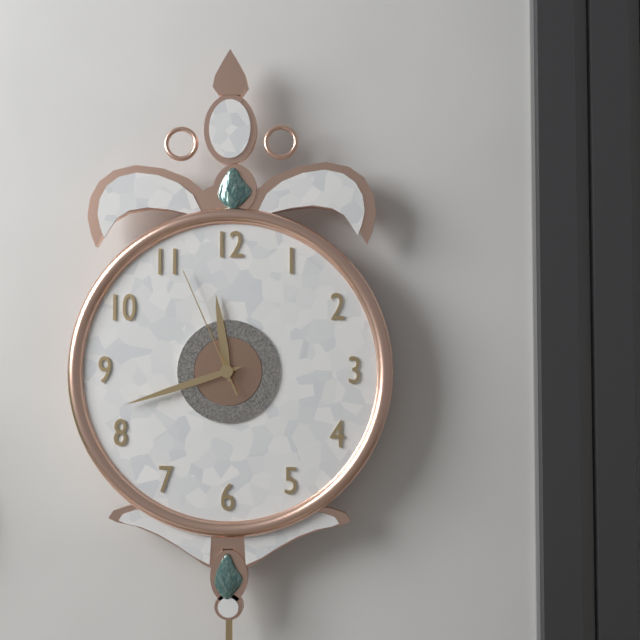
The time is h=11 m=42 s=56
